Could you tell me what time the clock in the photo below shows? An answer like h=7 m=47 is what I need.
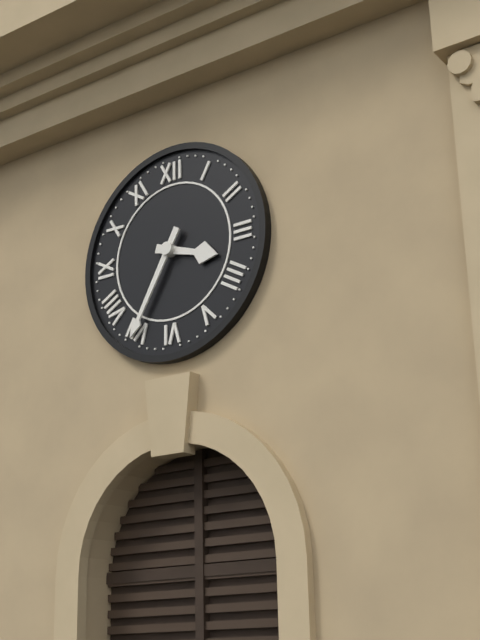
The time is h=3 m=35
